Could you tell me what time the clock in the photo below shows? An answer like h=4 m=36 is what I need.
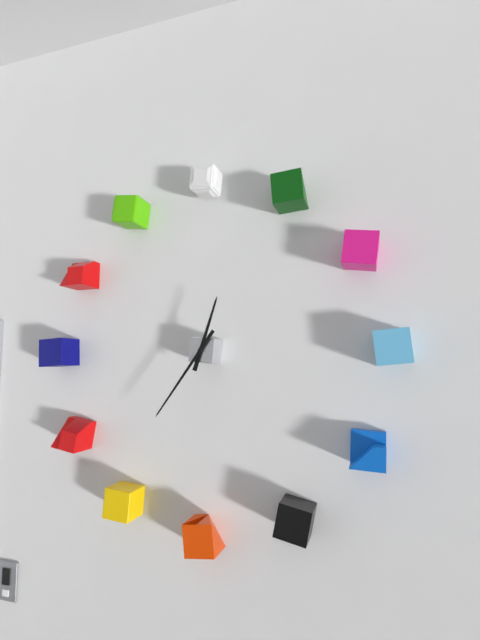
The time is h=12 m=36
